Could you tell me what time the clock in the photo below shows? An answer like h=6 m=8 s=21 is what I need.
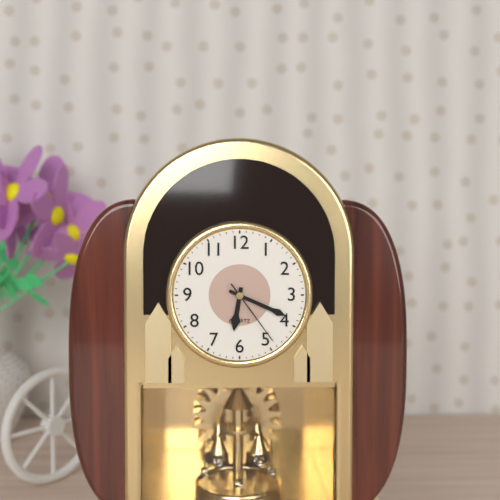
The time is h=6 m=19 s=24
